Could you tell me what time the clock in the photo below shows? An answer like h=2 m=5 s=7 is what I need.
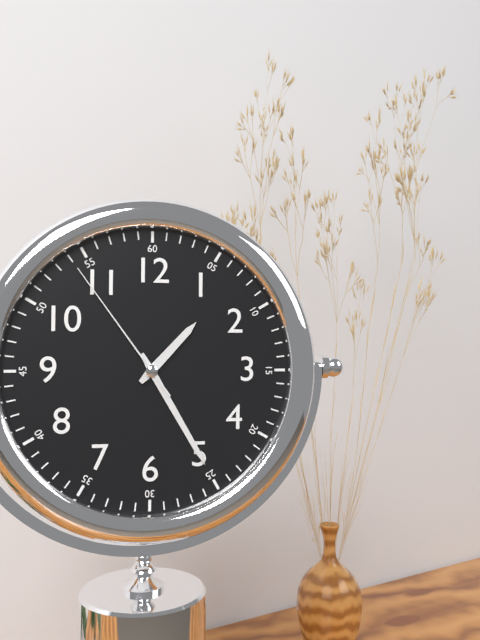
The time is h=1 m=25 s=54
